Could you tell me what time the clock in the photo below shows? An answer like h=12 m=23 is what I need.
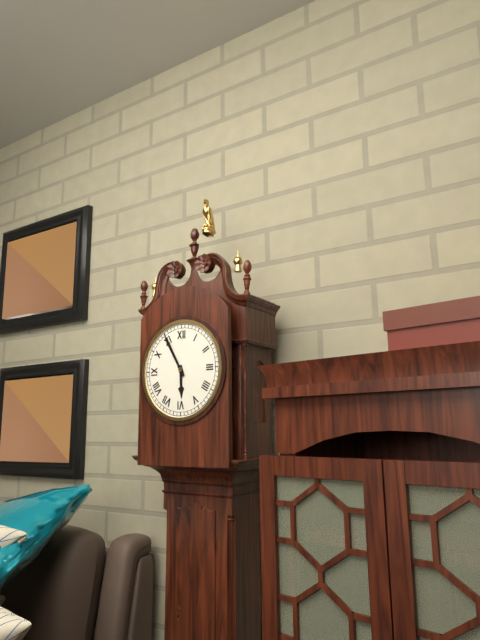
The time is h=5 m=55
